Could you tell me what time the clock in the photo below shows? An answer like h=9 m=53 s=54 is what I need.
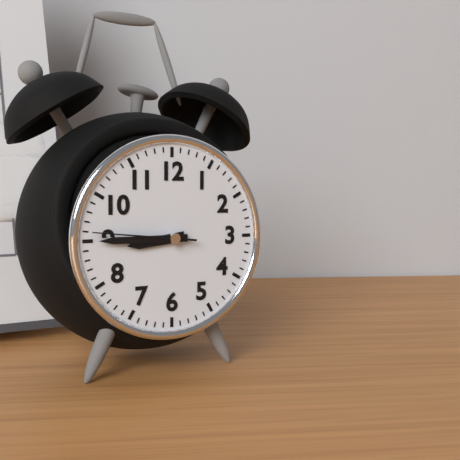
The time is h=8 m=45 s=46
